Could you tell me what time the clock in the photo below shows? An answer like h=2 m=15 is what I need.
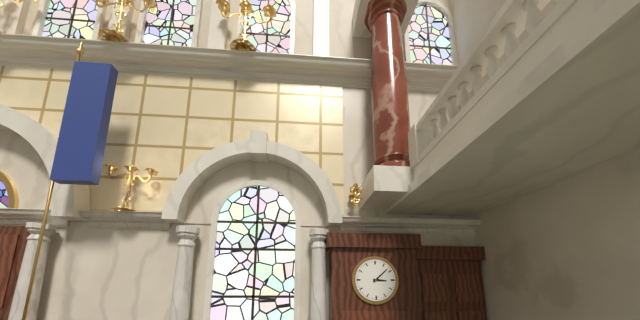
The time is h=3 m=8
